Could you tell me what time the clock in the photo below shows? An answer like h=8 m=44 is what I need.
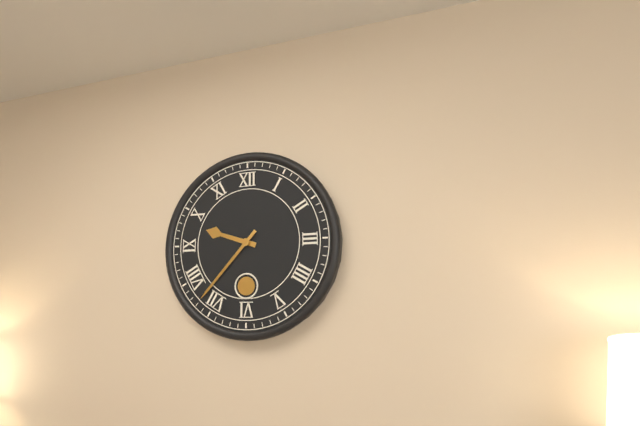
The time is h=9 m=37
